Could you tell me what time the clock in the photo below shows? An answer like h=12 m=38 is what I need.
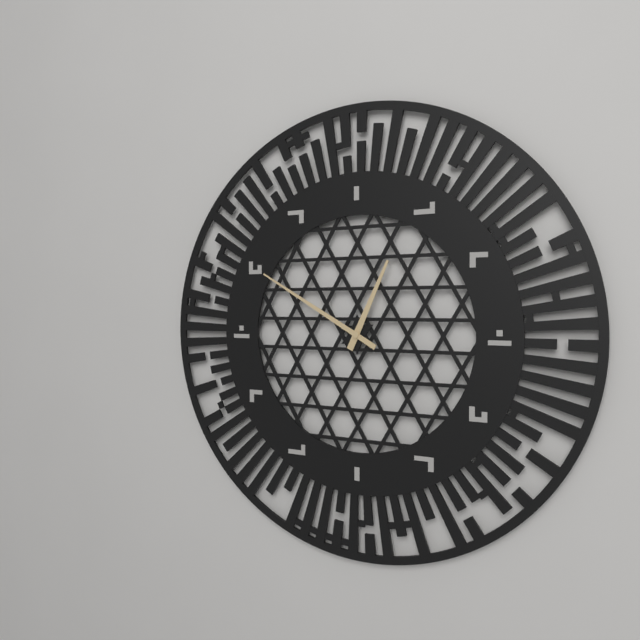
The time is h=12 m=50
